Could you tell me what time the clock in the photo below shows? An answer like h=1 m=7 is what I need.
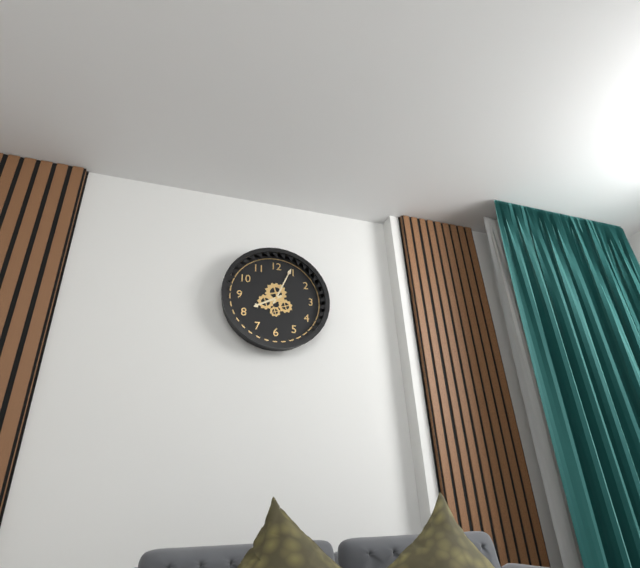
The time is h=8 m=4
